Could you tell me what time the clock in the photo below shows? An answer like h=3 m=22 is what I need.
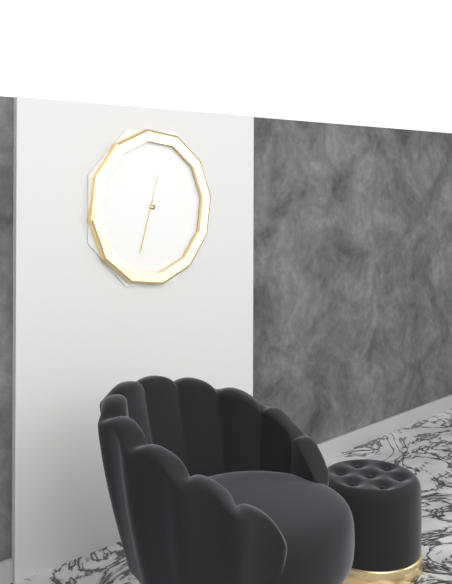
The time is h=12 m=33
